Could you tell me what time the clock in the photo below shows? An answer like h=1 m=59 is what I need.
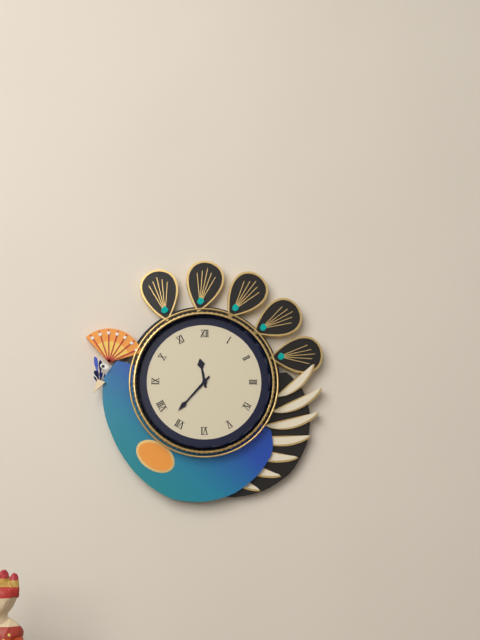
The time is h=11 m=37
